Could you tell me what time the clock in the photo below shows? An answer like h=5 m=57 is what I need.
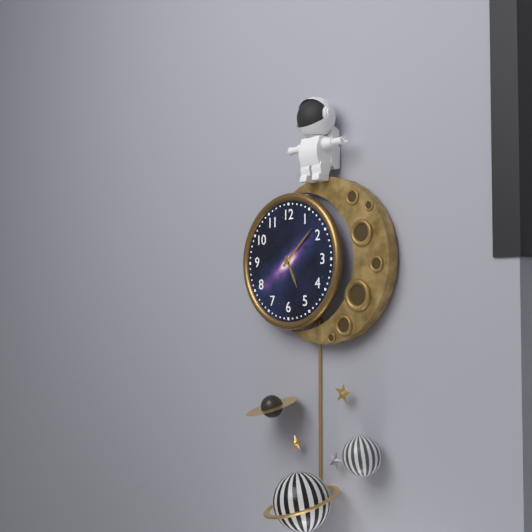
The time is h=5 m=8
